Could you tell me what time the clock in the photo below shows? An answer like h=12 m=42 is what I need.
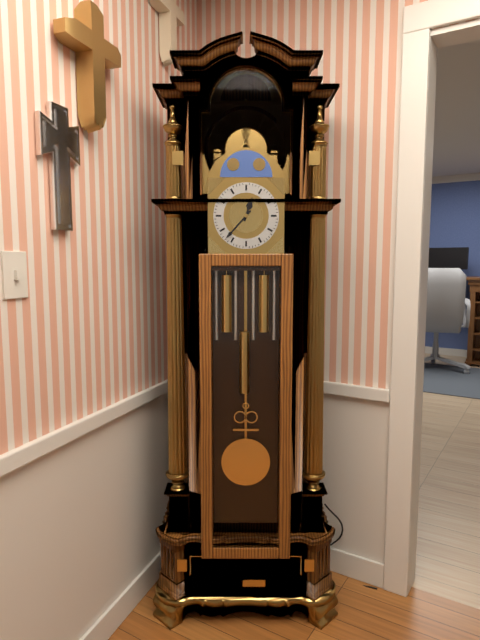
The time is h=12 m=37
